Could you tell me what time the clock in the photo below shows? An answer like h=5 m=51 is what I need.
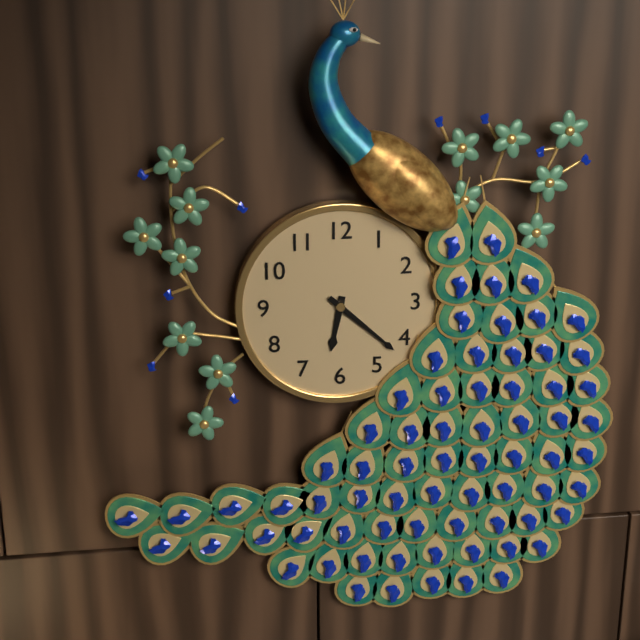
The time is h=6 m=22
